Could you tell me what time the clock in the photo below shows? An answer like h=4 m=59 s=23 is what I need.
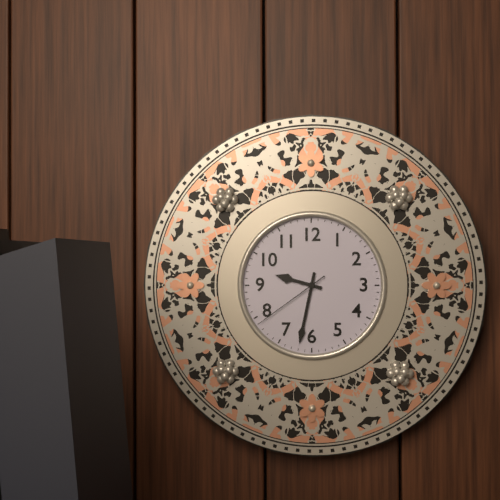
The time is h=9 m=32 s=39
